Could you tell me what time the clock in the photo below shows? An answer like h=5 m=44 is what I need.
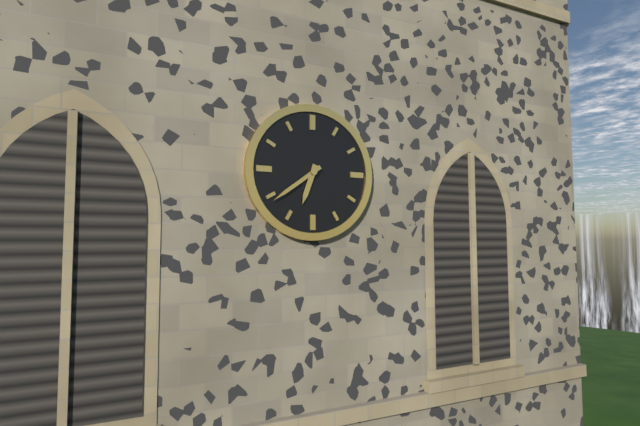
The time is h=6 m=39
